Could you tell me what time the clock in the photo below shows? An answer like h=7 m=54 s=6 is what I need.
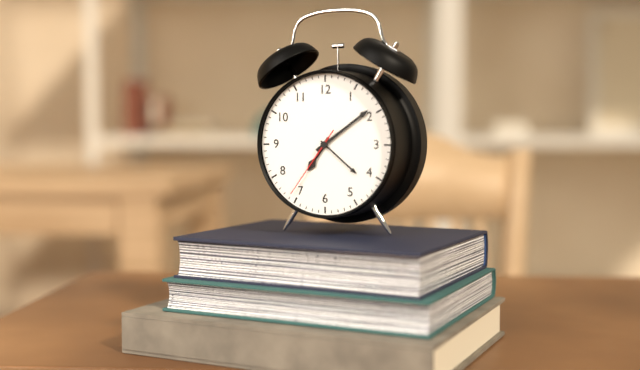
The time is h=7 m=9 s=36
